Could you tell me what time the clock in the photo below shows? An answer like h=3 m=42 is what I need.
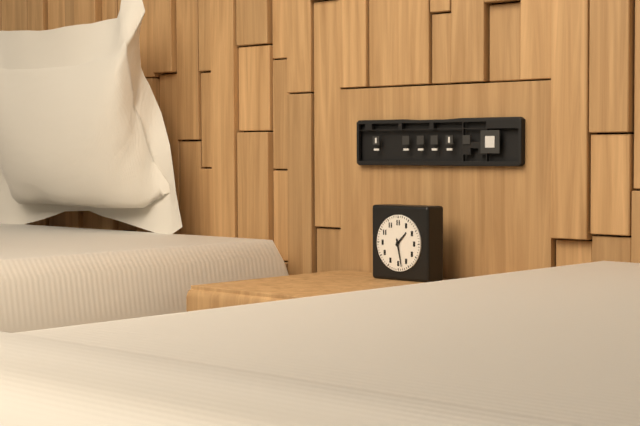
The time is h=1 m=28
